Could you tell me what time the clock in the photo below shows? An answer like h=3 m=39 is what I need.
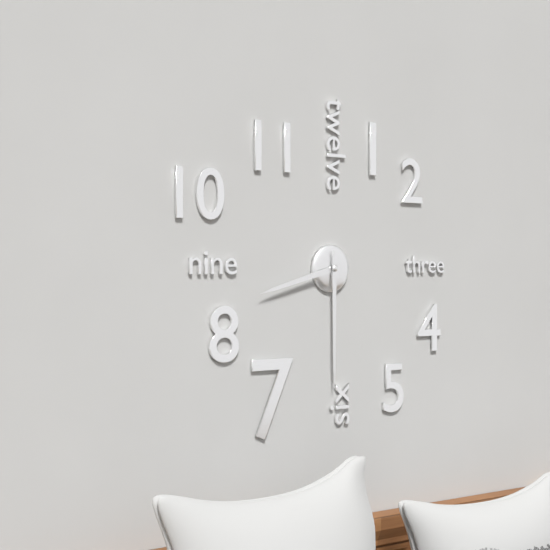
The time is h=8 m=30
